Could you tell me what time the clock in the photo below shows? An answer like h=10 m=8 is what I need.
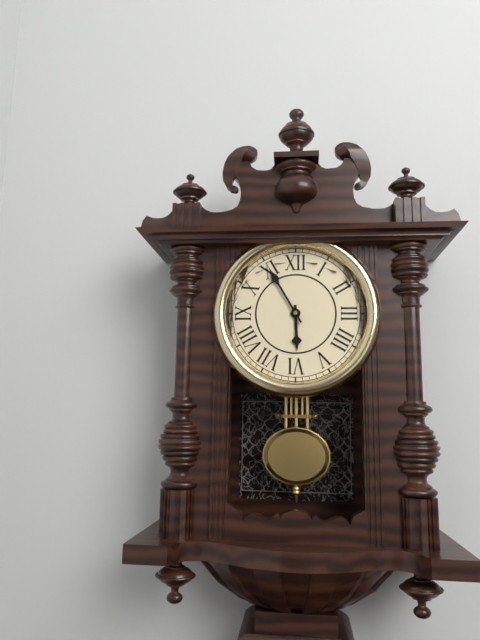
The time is h=5 m=55
